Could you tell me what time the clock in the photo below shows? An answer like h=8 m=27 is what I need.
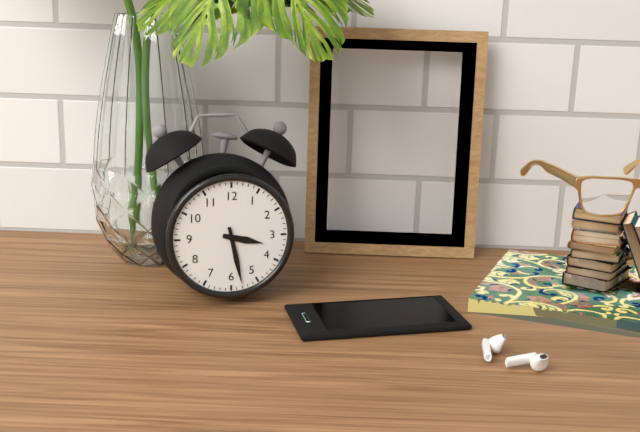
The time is h=3 m=28
